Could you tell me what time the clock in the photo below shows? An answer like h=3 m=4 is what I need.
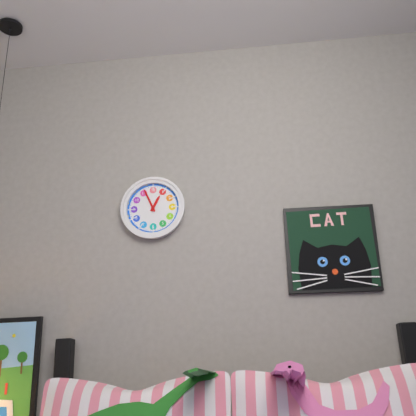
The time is h=12 m=56
